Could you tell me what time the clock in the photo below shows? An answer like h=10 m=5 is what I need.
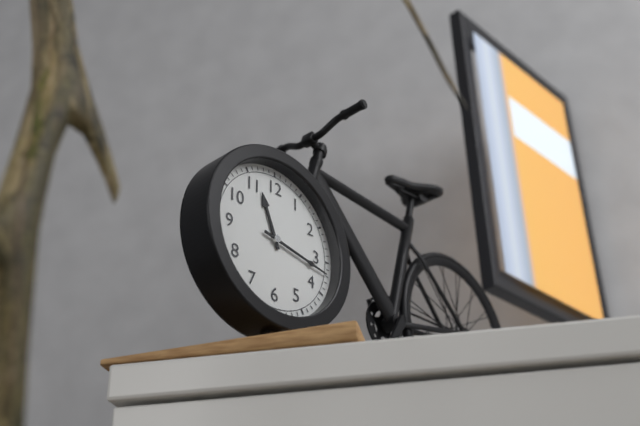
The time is h=11 m=17
